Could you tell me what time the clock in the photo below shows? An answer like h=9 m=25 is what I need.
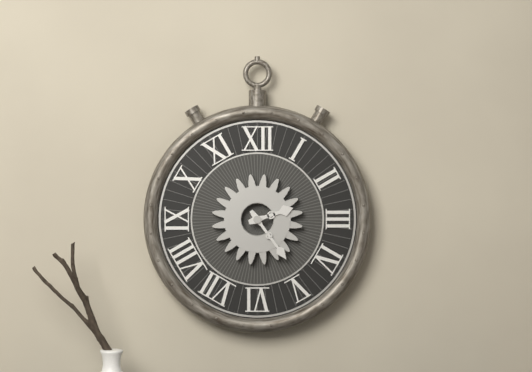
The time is h=2 m=24
